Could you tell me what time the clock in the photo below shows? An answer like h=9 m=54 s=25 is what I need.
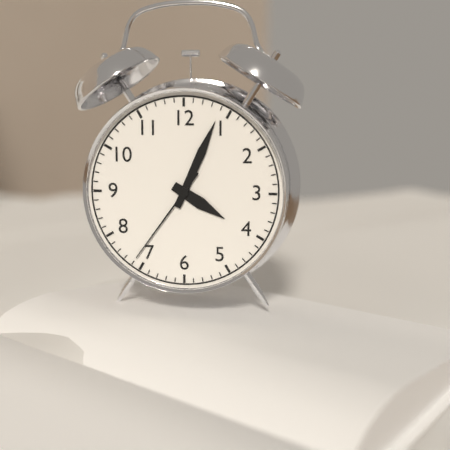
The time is h=4 m=4 s=36
